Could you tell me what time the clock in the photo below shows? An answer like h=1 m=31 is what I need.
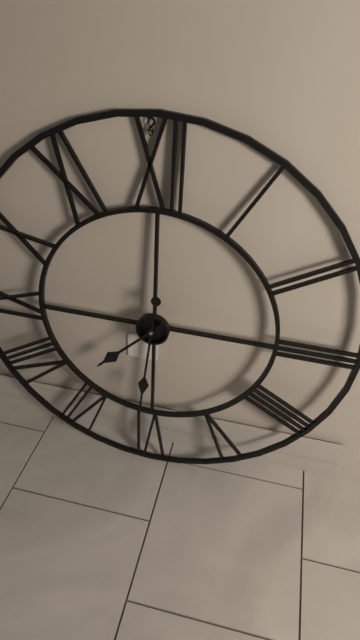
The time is h=7 m=31
